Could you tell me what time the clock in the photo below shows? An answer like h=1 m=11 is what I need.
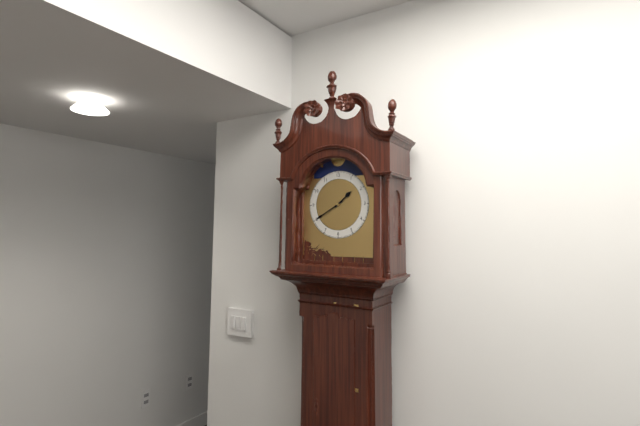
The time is h=1 m=40
